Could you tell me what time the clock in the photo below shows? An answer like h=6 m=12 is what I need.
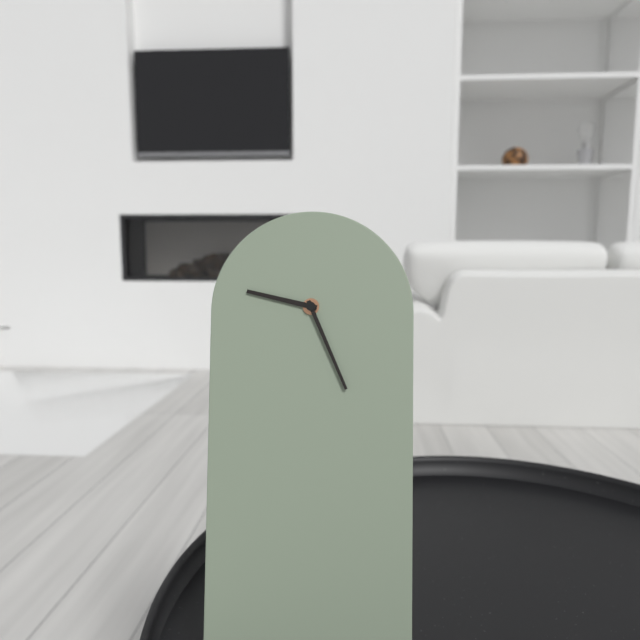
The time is h=9 m=26
